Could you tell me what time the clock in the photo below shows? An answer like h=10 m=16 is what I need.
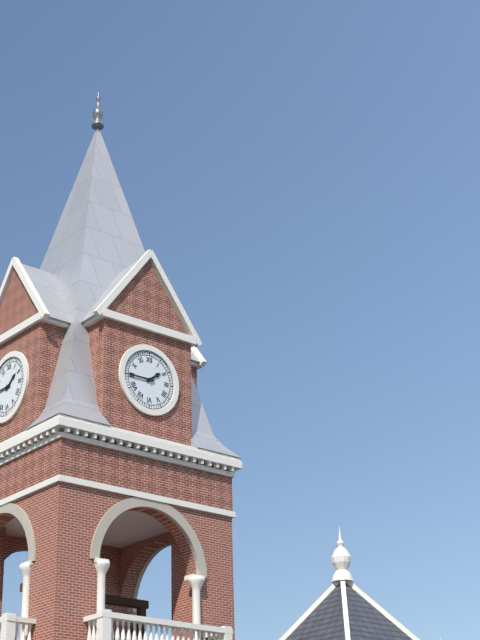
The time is h=1 m=45
